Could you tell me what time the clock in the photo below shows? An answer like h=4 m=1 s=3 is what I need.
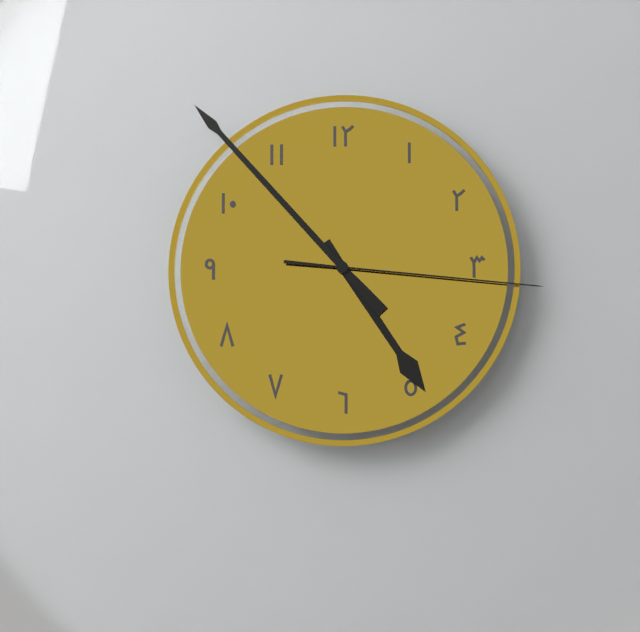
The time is h=4 m=53 s=16
